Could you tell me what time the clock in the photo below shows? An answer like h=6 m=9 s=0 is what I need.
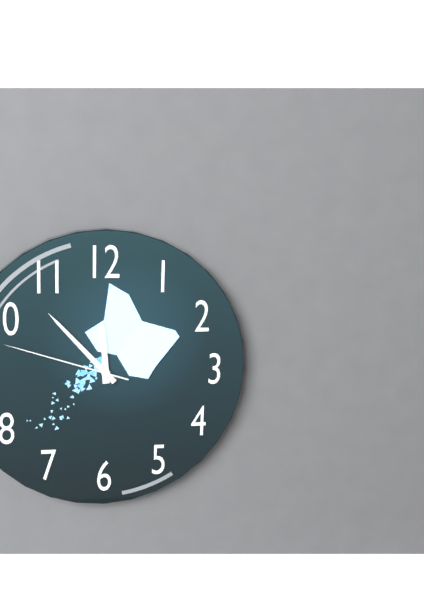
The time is h=11 m=53 s=48
